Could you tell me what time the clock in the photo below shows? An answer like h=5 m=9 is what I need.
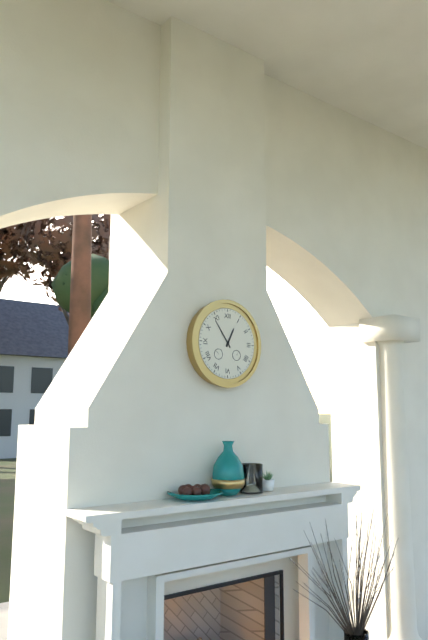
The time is h=12 m=54
